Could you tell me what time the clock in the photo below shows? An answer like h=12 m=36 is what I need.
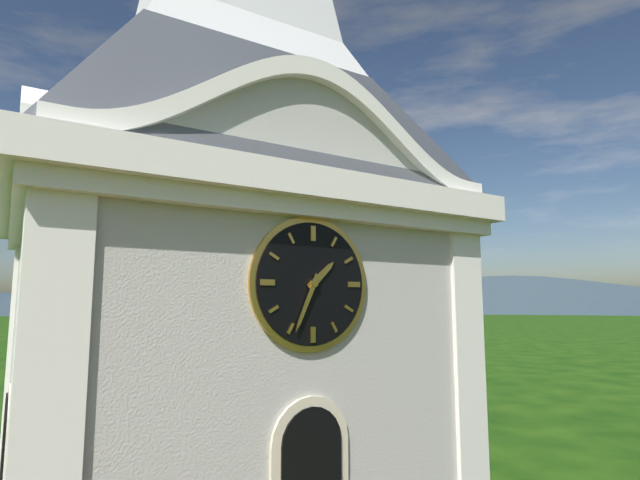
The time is h=1 m=34
